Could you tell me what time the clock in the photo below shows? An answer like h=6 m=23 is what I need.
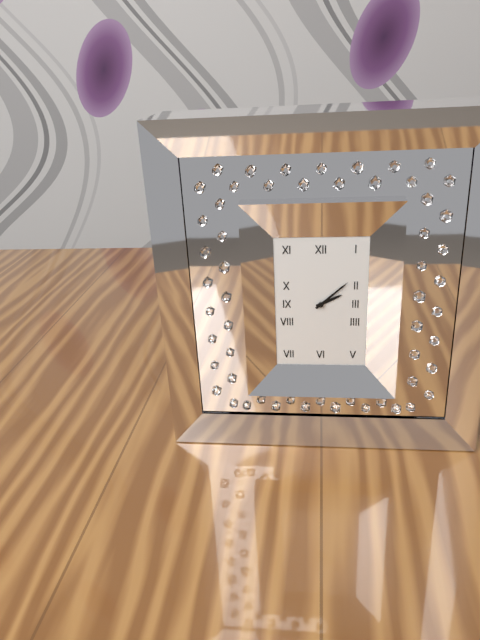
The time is h=2 m=8
